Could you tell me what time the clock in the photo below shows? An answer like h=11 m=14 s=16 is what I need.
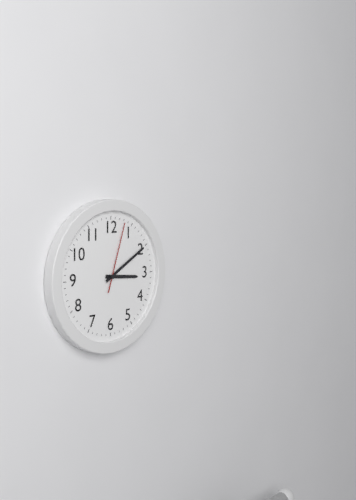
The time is h=3 m=10 s=3
